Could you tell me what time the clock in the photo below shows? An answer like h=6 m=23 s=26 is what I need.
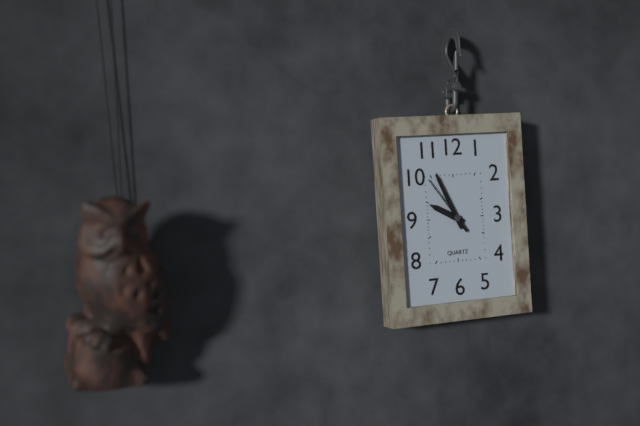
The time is h=9 m=56 s=54
